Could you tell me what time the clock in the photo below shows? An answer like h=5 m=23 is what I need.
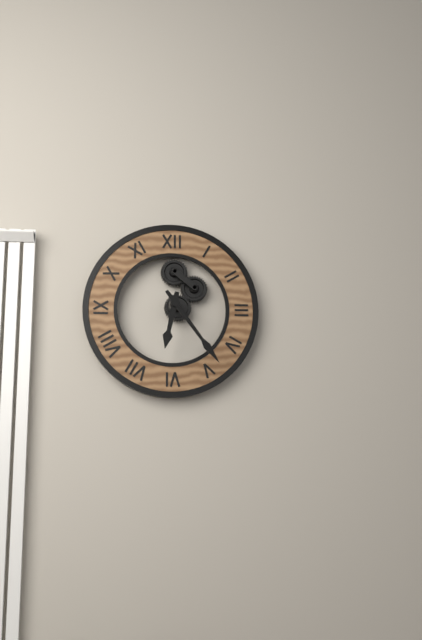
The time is h=6 m=24
